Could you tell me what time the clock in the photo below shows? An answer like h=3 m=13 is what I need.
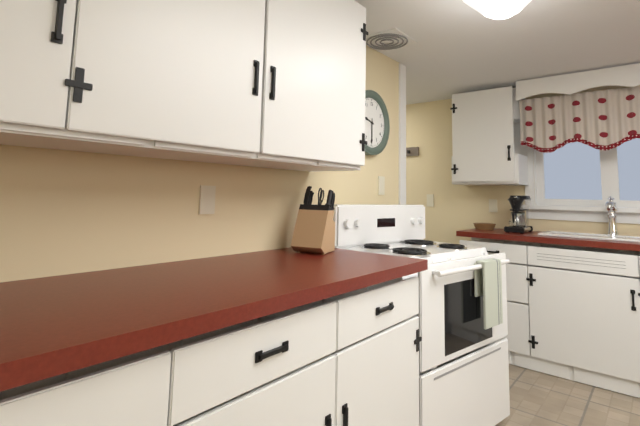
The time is h=9 m=30
